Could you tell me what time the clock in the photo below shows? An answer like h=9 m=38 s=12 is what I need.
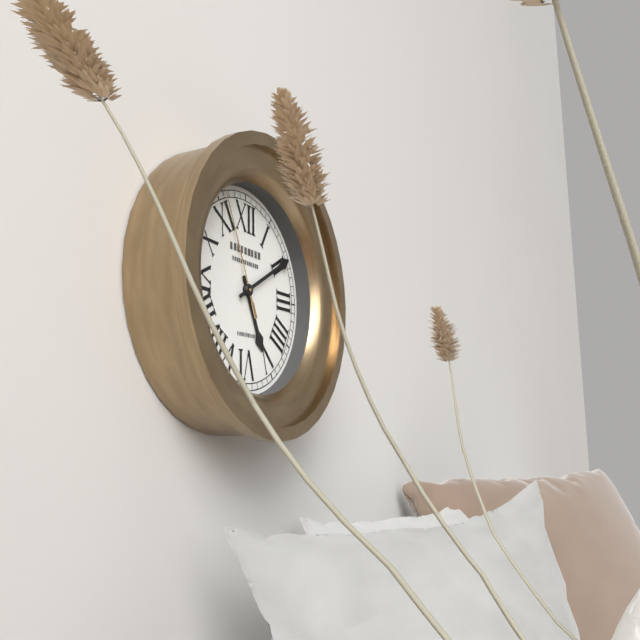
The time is h=5 m=10 s=56
